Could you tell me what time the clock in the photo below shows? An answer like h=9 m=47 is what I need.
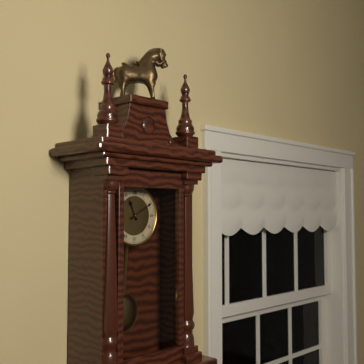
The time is h=11 m=10
